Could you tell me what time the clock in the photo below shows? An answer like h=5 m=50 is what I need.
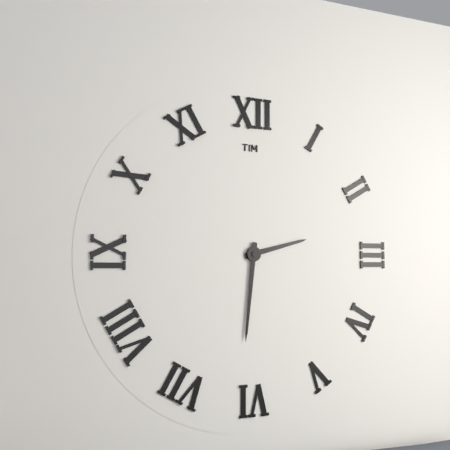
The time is h=2 m=31
